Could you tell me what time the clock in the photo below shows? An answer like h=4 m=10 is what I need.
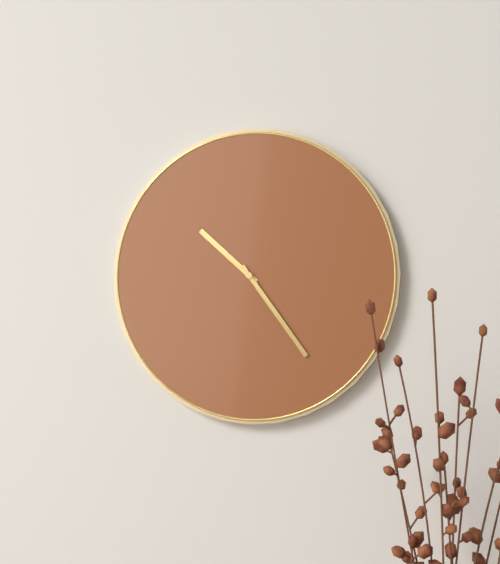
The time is h=10 m=24
